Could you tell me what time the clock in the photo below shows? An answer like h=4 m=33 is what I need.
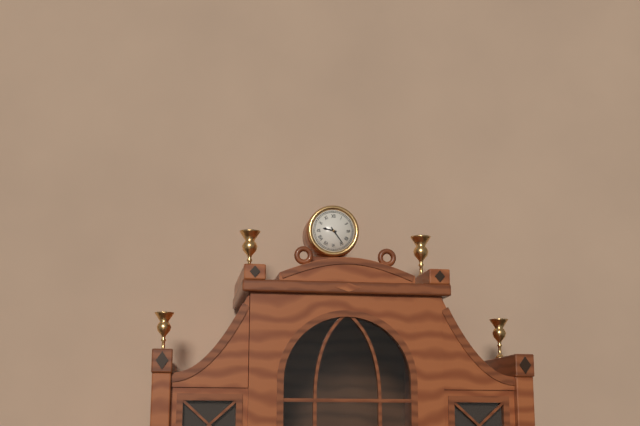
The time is h=9 m=24
